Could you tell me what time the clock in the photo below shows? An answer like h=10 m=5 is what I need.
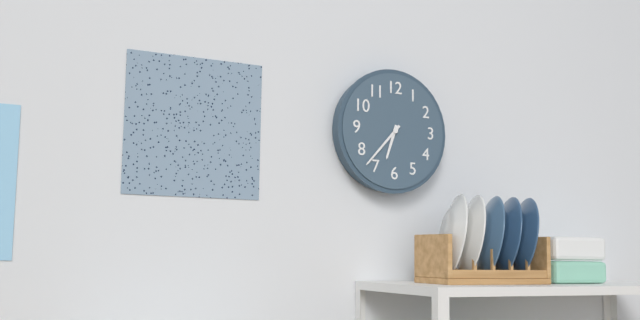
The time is h=6 m=37
